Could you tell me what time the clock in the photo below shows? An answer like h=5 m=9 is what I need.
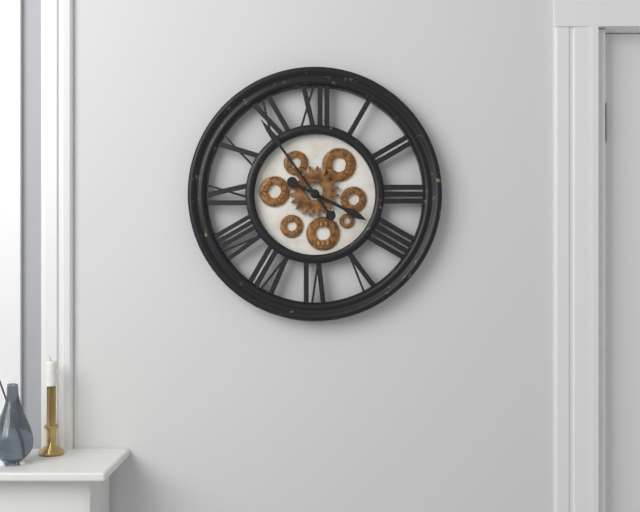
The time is h=3 m=54
